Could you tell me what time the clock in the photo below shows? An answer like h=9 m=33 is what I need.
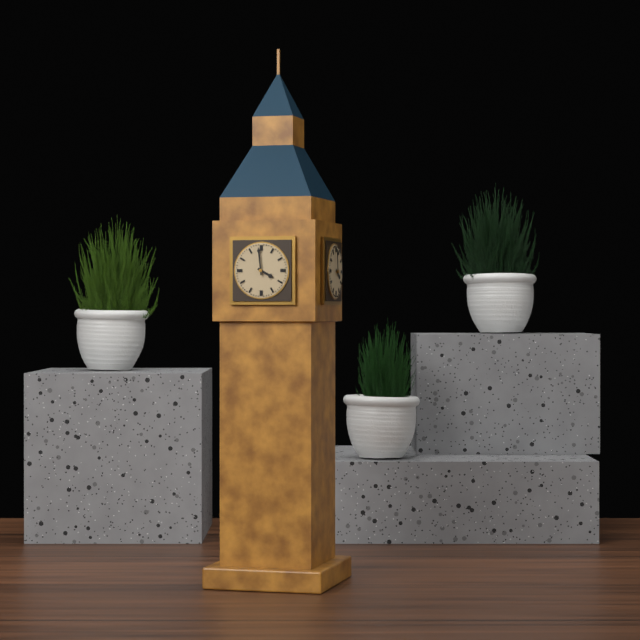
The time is h=3 m=59
